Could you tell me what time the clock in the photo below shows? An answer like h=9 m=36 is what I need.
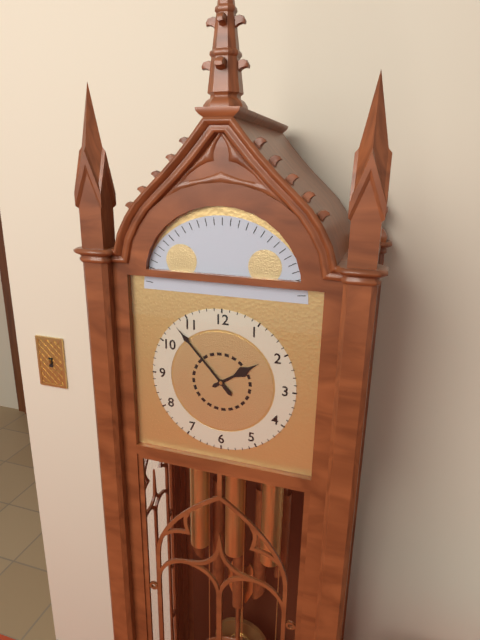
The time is h=1 m=53
